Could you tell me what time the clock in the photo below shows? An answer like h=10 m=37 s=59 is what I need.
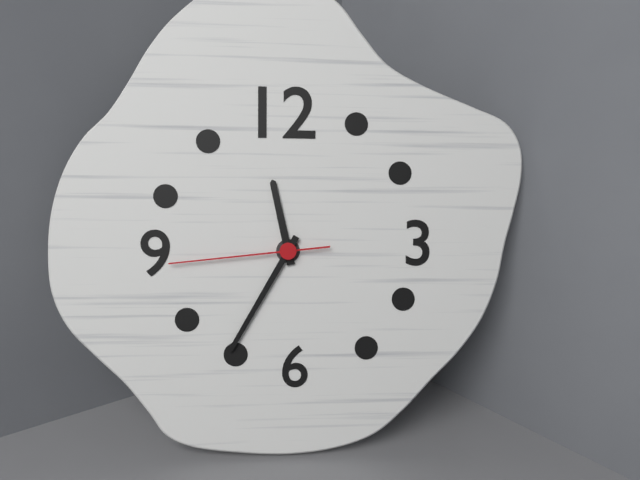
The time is h=11 m=35 s=44
